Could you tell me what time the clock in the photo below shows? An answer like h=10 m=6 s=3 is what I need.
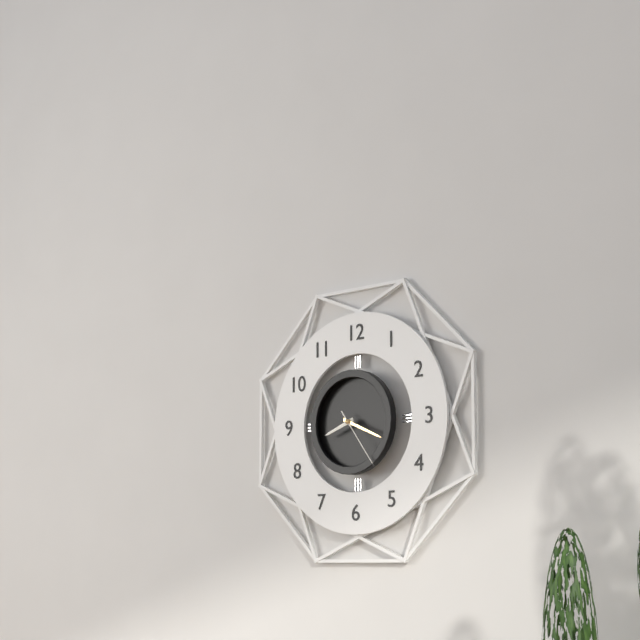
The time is h=8 m=19 s=24
